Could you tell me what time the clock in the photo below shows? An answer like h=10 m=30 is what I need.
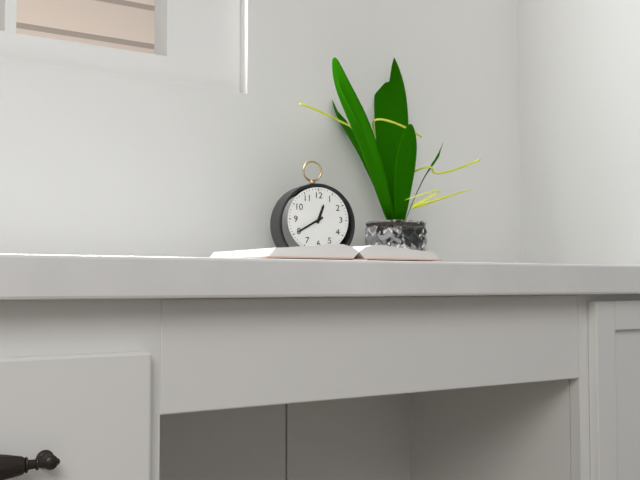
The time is h=12 m=40
